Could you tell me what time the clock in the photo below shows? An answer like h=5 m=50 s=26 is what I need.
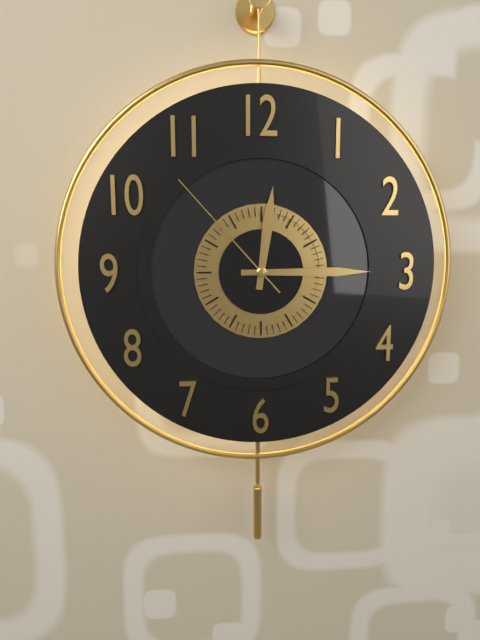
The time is h=12 m=15 s=53
